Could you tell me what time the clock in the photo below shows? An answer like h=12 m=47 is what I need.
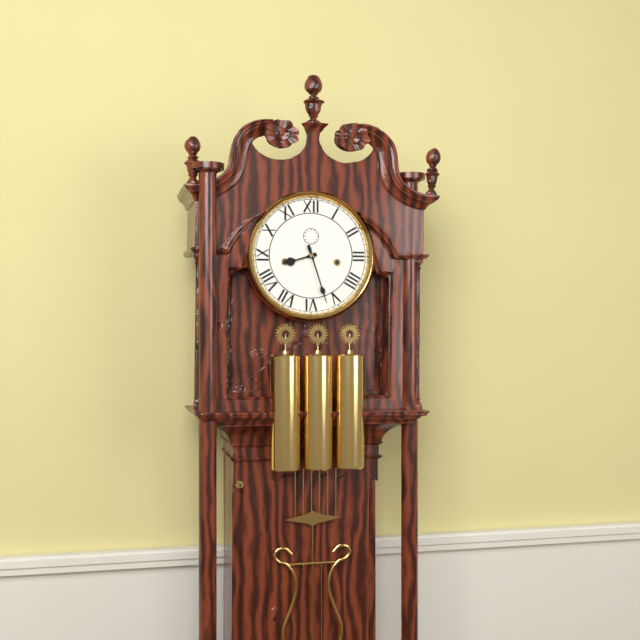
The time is h=8 m=27
